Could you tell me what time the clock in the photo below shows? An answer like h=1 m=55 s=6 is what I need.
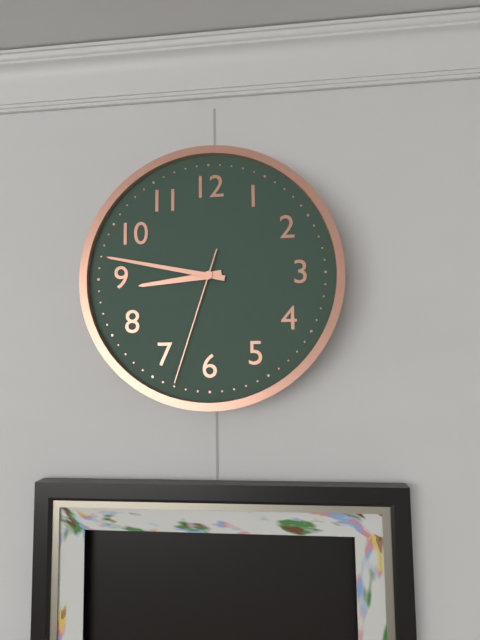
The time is h=8 m=47 s=33
